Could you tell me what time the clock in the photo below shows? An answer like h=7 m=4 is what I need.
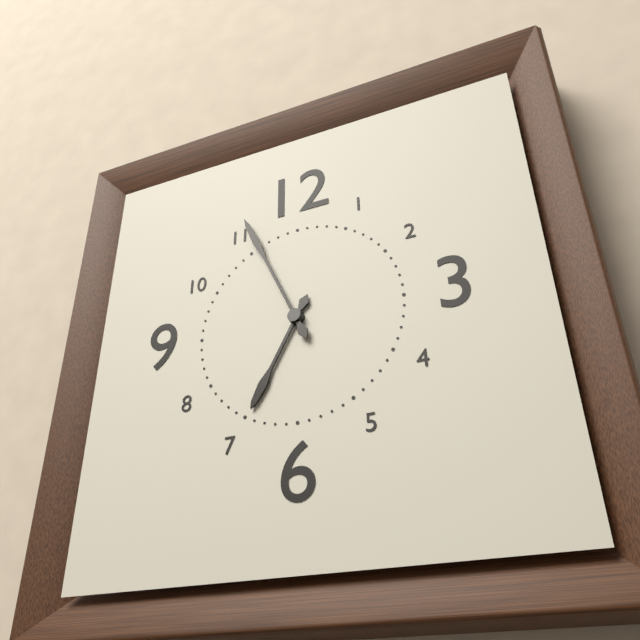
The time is h=6 m=56
